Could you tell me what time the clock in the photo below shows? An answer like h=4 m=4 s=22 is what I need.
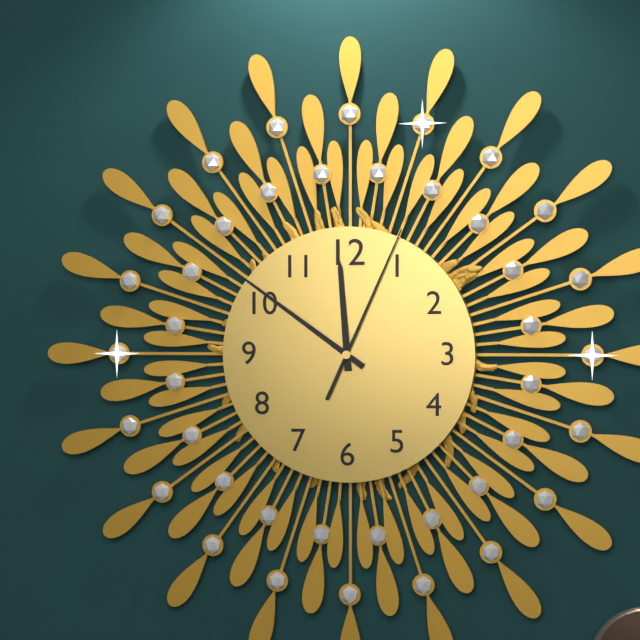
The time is h=11 m=51 s=4
